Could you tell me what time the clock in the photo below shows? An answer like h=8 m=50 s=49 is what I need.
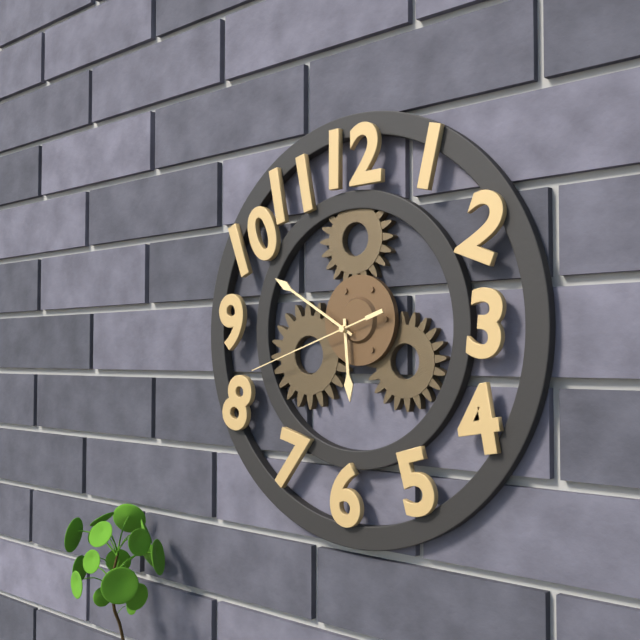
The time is h=5 m=50 s=42
